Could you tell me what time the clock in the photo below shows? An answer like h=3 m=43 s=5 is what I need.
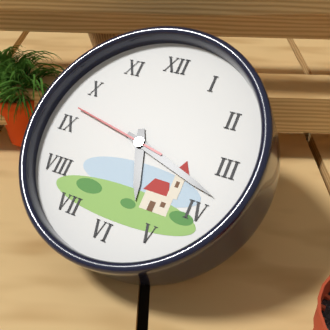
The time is h=5 m=18 s=47
